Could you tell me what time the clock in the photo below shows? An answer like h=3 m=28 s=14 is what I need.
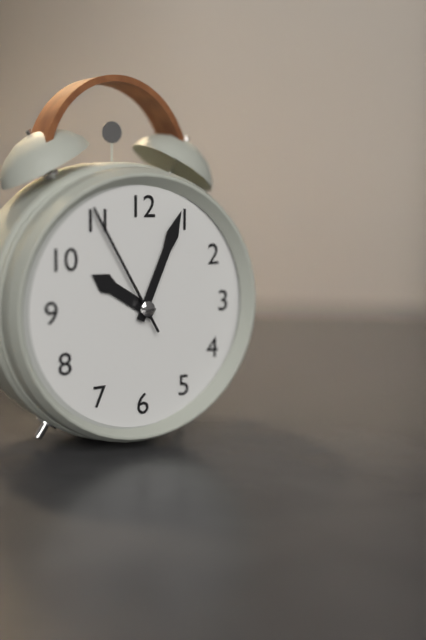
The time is h=10 m=4 s=55
